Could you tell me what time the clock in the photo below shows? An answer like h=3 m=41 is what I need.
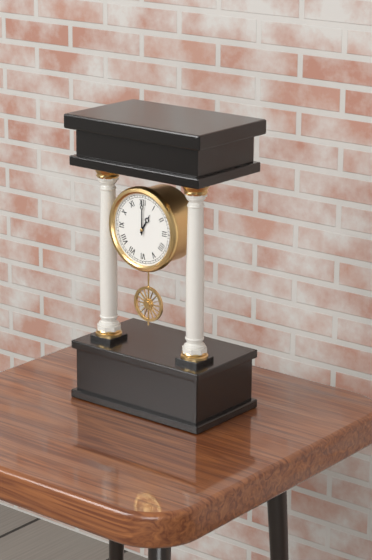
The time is h=1 m=0
